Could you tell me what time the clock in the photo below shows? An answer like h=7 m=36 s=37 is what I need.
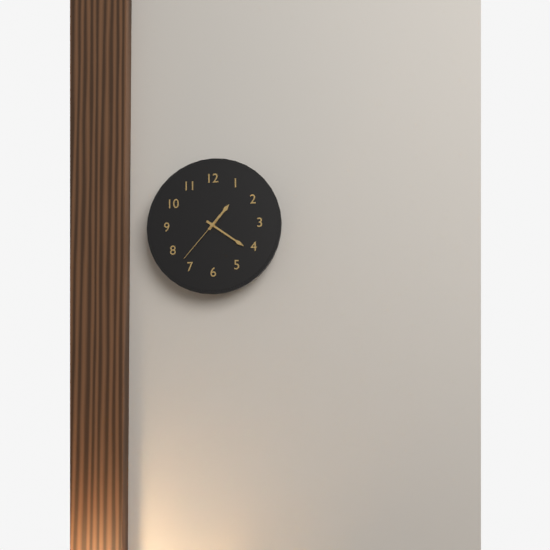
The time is h=1 m=21 s=37
